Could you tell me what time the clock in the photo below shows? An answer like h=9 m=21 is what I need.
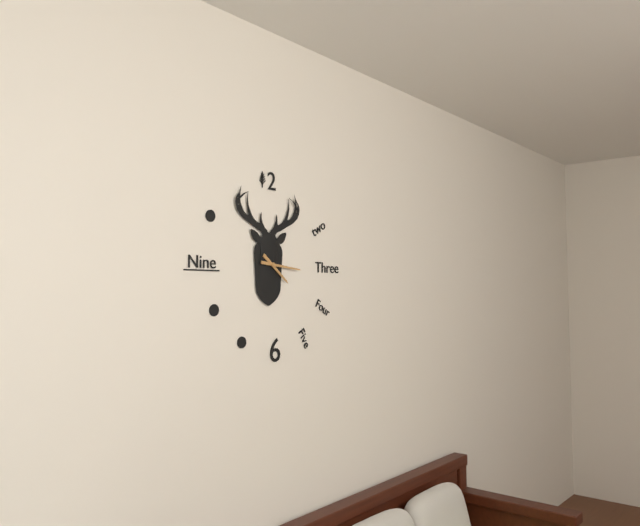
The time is h=4 m=16
